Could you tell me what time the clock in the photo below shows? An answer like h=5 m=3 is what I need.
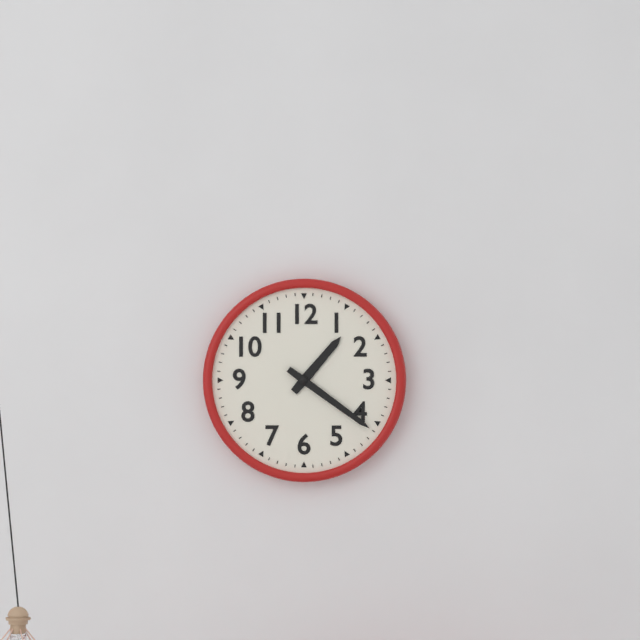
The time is h=1 m=21
